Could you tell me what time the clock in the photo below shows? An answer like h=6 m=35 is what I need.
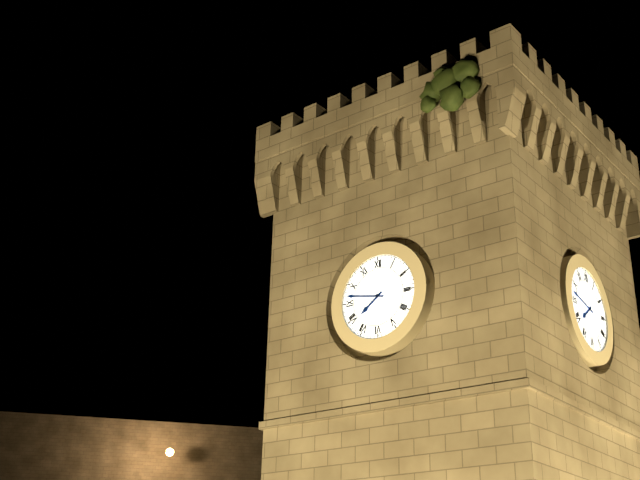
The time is h=7 m=47
